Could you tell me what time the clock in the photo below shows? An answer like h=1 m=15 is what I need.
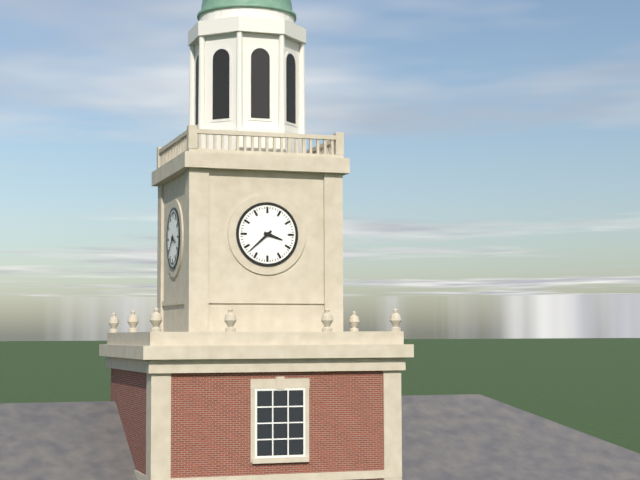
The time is h=3 m=38
